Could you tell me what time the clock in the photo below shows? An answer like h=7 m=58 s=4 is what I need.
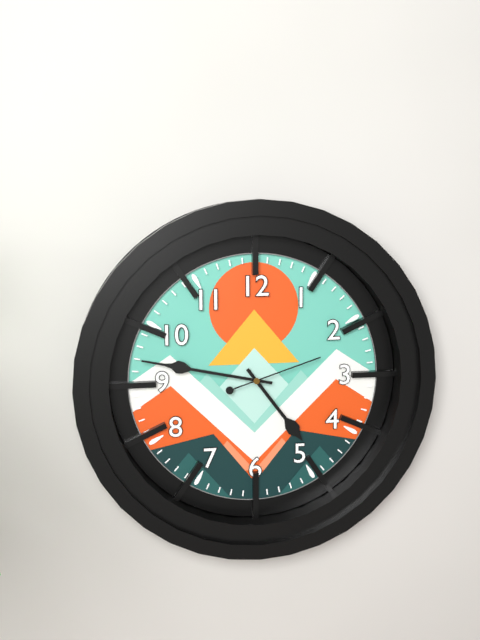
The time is h=4 m=47 s=12
